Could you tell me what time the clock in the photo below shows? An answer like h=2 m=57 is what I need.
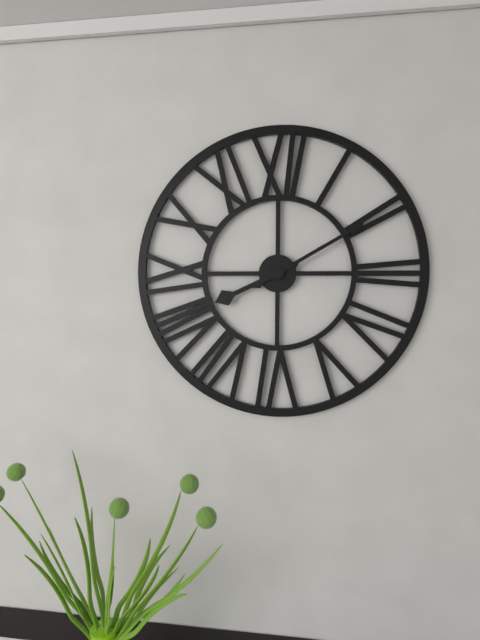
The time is h=8 m=10
